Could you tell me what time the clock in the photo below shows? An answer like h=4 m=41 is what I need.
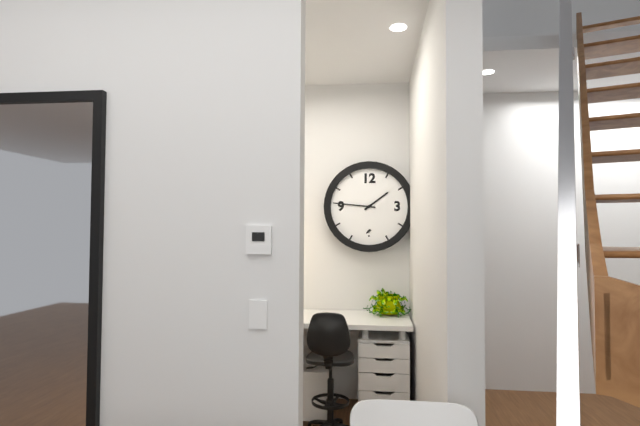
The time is h=1 m=46
